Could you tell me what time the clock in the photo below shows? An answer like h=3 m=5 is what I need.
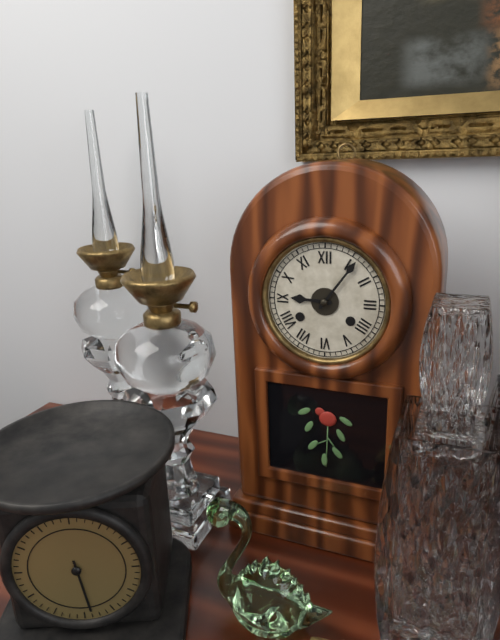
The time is h=9 m=6
